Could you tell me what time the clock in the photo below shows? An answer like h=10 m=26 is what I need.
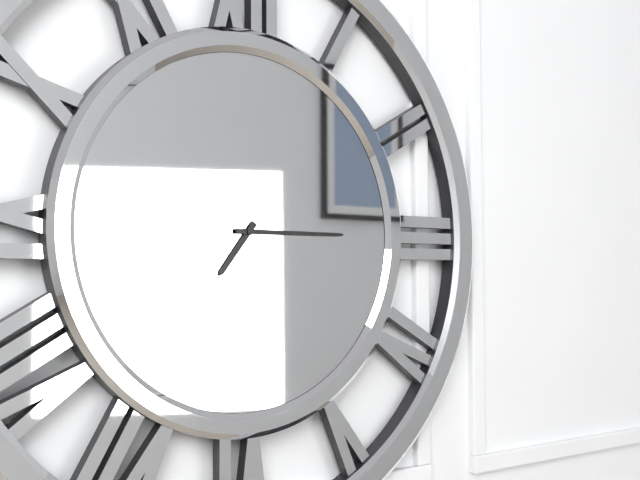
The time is h=7 m=15
